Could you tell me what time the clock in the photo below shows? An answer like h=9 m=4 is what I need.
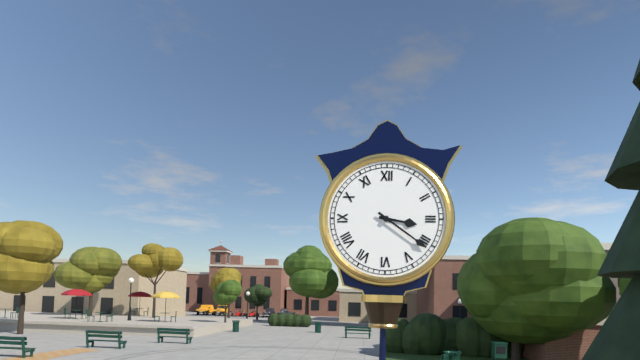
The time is h=3 m=21
